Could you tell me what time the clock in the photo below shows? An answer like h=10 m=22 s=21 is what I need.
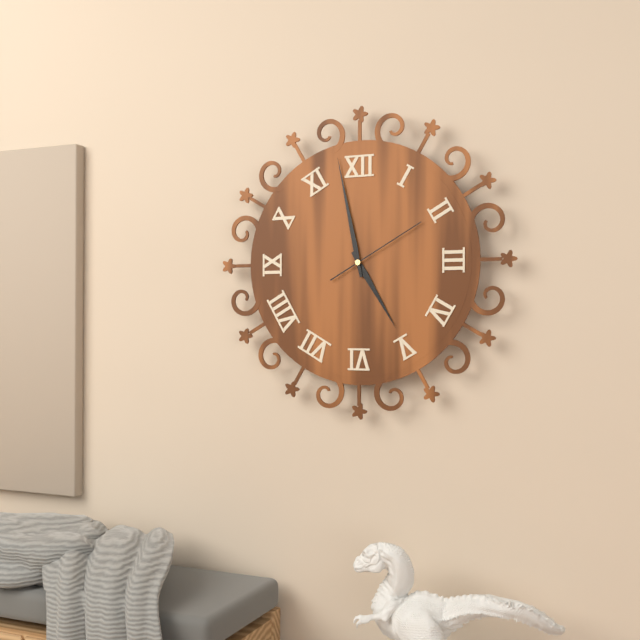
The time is h=4 m=58 s=10
